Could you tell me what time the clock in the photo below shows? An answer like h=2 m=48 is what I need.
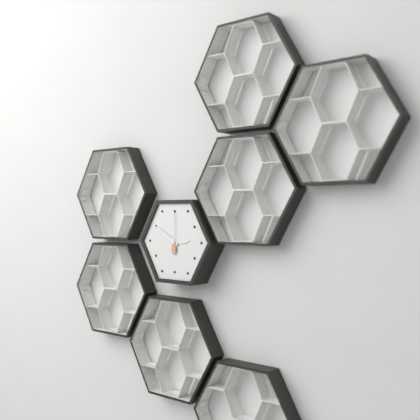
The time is h=2 m=50
